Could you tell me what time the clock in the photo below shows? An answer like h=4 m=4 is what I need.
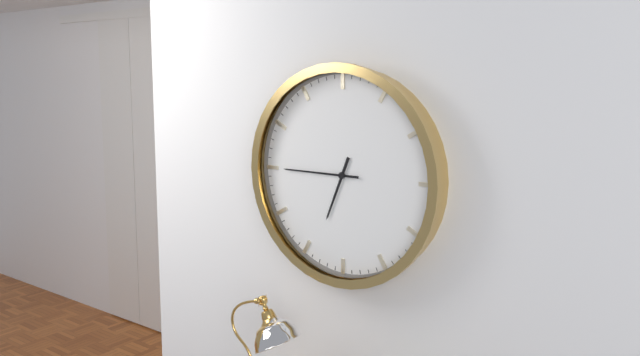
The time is h=6 m=45
